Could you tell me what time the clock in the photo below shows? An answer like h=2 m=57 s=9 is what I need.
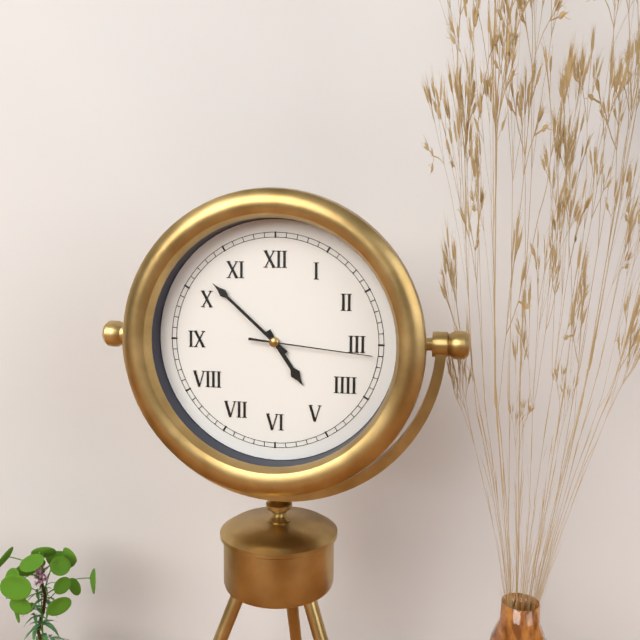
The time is h=4 m=52 s=16
